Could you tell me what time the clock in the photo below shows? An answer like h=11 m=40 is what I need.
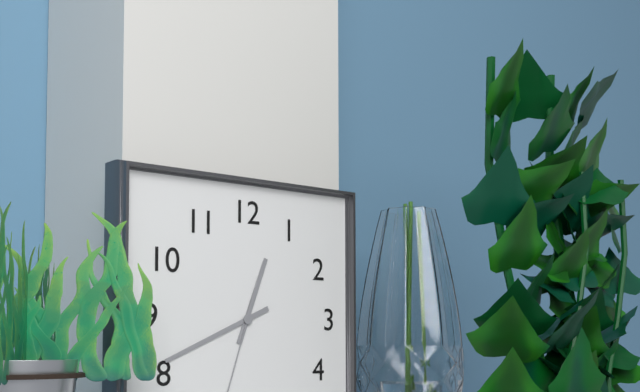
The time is h=12 m=41
